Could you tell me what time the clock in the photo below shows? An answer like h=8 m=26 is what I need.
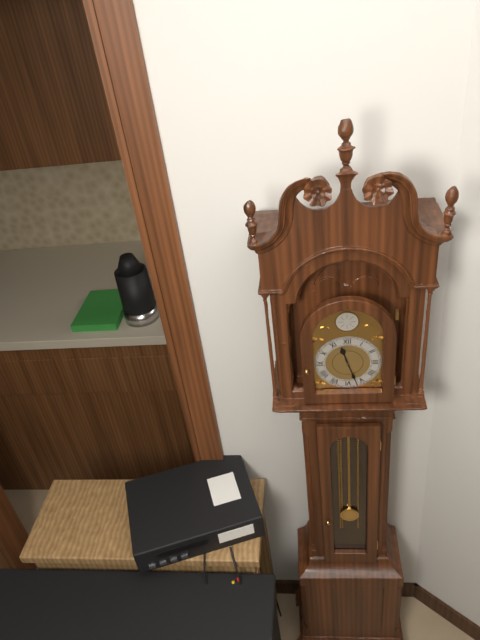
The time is h=11 m=27
